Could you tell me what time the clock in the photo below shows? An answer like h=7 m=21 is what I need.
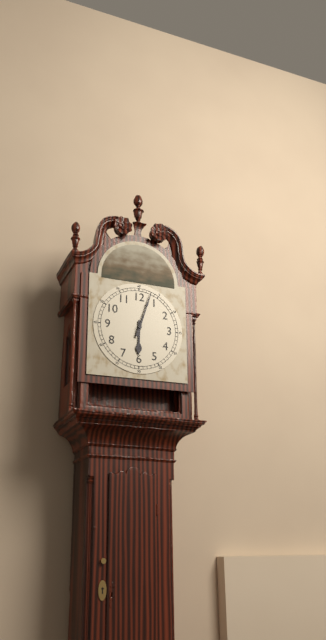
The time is h=6 m=3
